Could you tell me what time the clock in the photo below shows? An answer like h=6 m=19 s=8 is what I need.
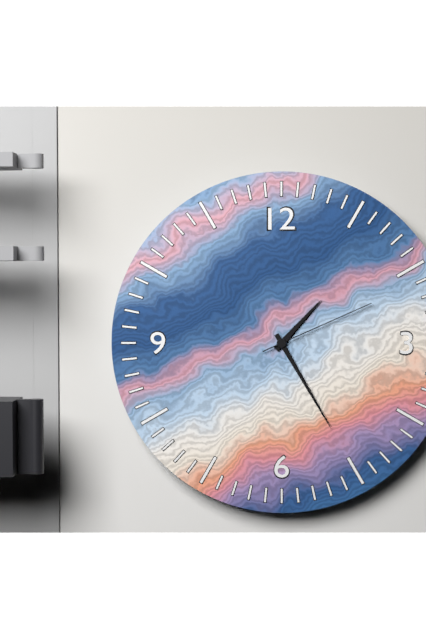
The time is h=1 m=25 s=11
